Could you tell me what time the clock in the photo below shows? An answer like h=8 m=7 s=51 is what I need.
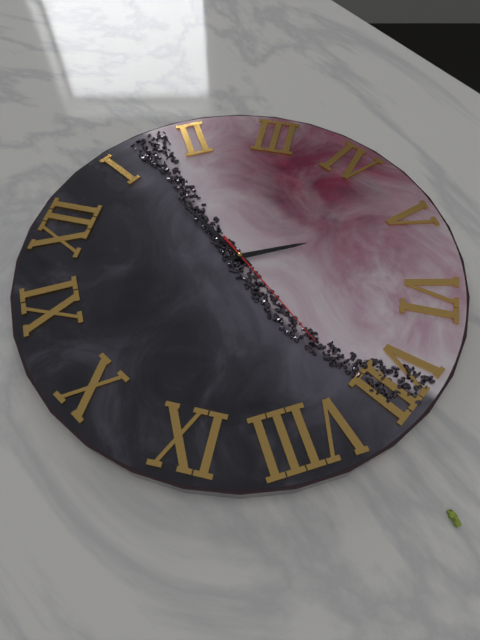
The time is h=5 m=6 s=37
